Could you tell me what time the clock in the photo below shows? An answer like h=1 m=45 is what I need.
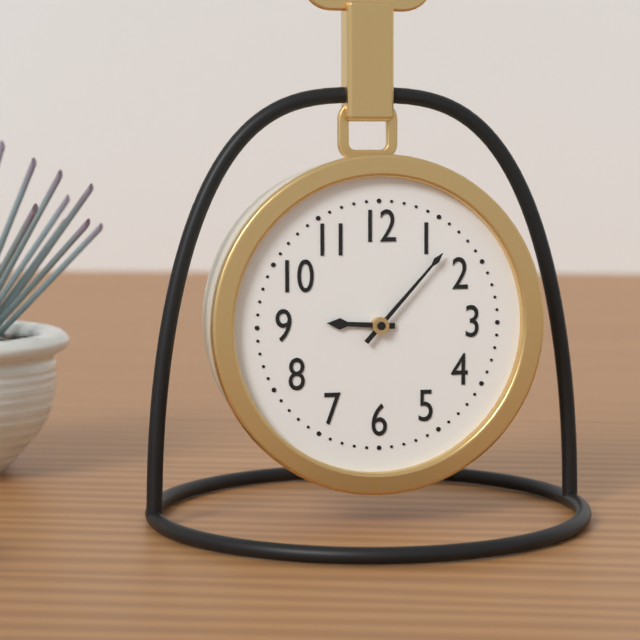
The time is h=9 m=7
